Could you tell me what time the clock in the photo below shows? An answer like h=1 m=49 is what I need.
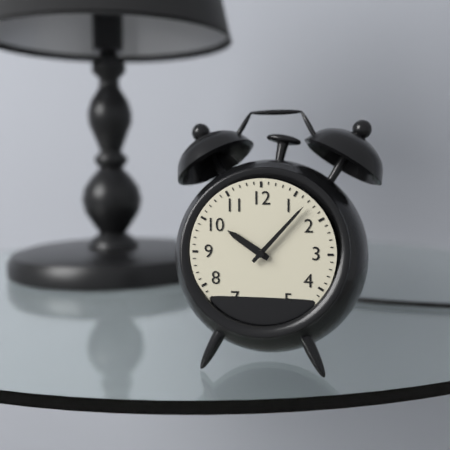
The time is h=10 m=7
